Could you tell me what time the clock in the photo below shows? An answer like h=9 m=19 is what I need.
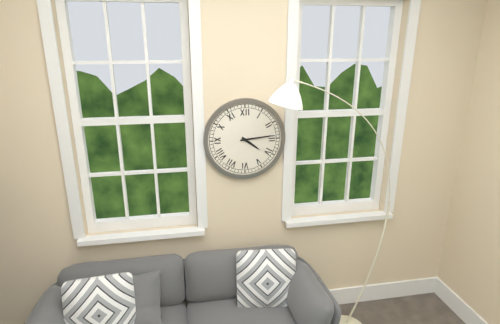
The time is h=4 m=14
